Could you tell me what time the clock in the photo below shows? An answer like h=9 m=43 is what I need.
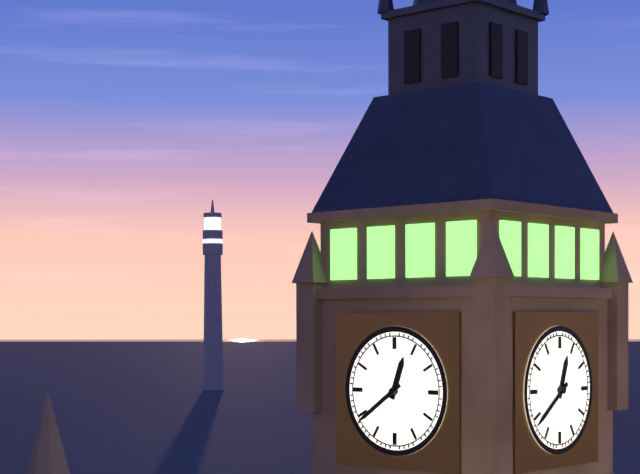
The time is h=12 m=39
